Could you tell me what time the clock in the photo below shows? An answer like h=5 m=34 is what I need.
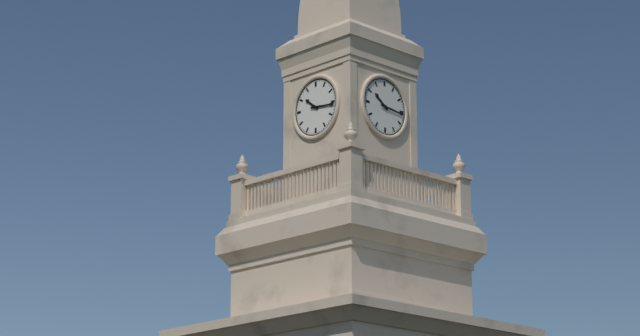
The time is h=10 m=16
